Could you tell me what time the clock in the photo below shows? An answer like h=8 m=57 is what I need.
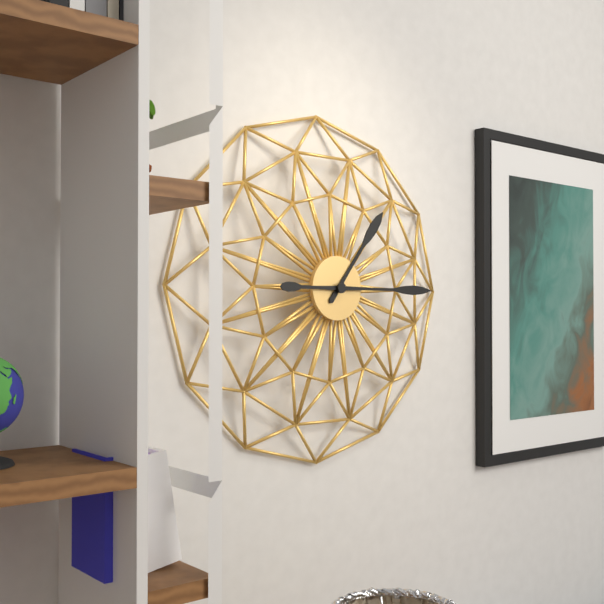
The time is h=1 m=15
